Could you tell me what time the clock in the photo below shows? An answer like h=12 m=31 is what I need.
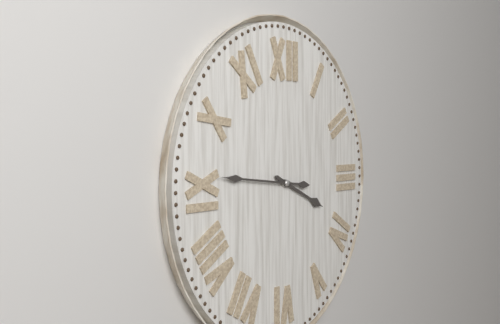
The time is h=3 m=46
